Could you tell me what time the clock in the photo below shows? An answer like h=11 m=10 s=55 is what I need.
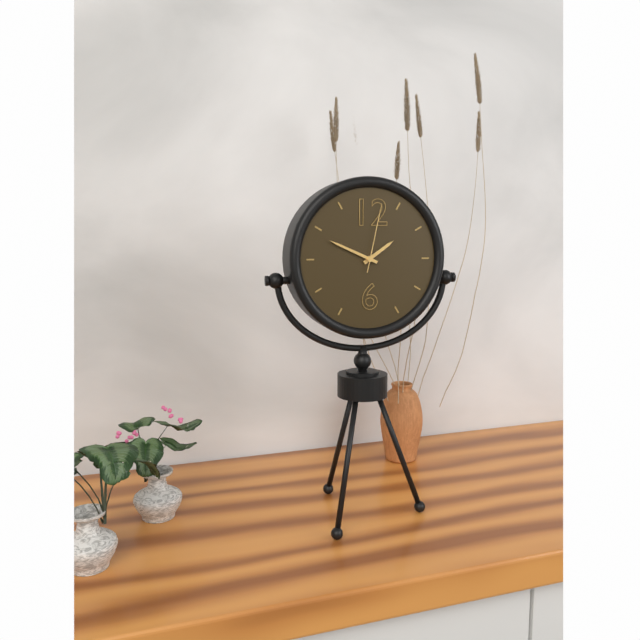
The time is h=1 m=49 s=2
